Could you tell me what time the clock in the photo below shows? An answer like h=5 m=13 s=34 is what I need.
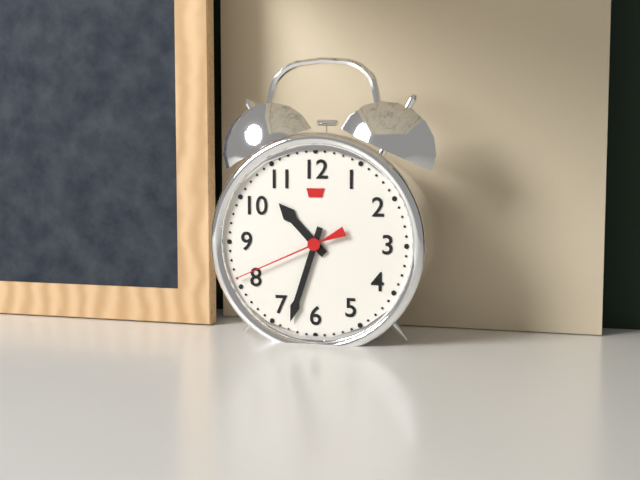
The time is h=10 m=33 s=41
